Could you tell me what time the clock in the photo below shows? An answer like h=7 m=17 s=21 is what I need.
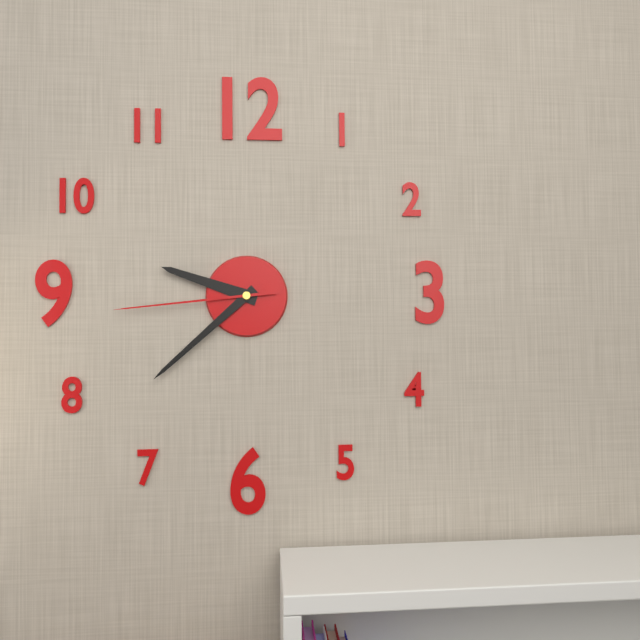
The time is h=9 m=38 s=44
